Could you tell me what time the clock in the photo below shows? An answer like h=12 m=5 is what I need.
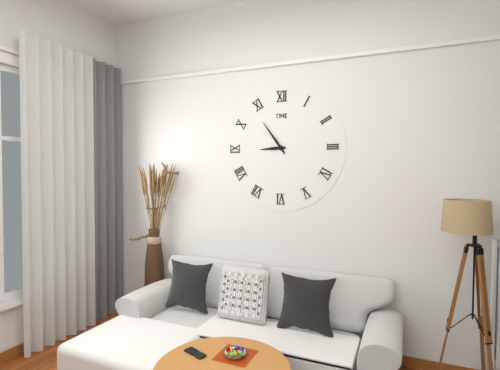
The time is h=8 m=54
